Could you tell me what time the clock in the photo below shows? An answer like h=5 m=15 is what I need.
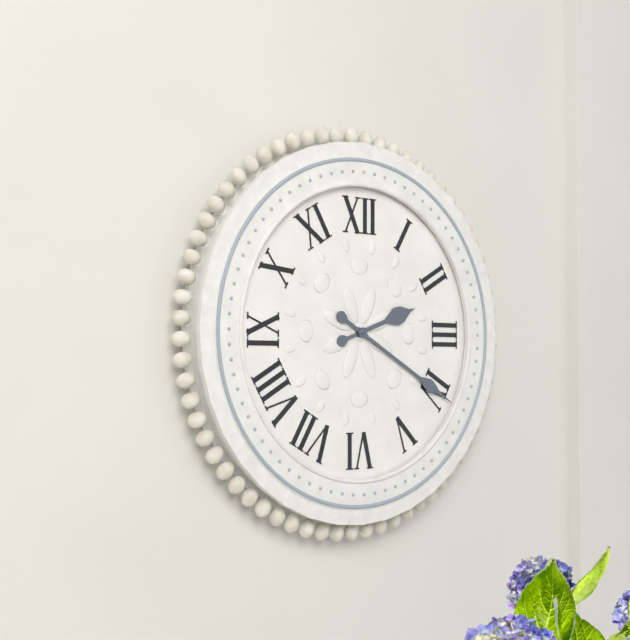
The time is h=2 m=20
